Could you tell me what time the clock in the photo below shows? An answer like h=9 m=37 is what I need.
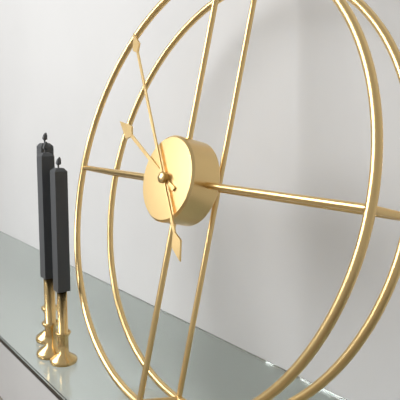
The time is h=9 m=54
